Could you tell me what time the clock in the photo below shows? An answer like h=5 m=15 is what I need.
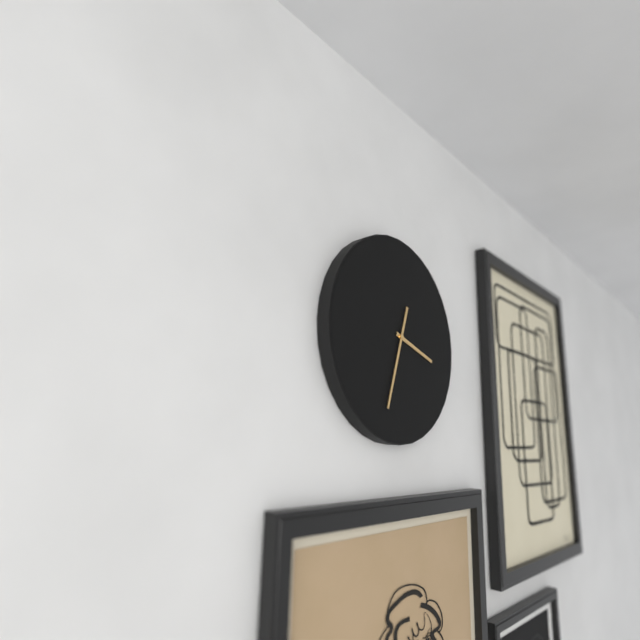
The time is h=3 m=33
